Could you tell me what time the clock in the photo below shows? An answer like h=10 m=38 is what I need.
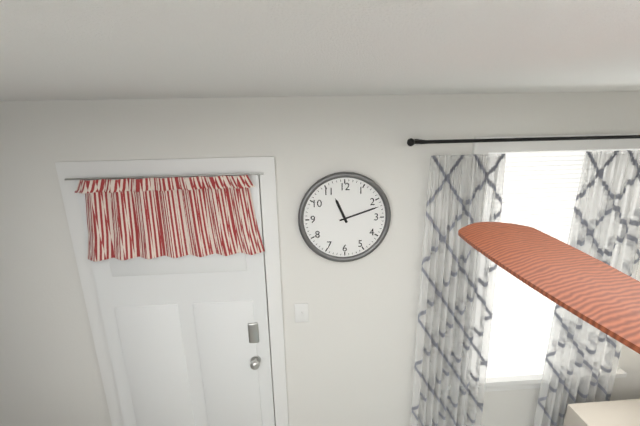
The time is h=11 m=12
